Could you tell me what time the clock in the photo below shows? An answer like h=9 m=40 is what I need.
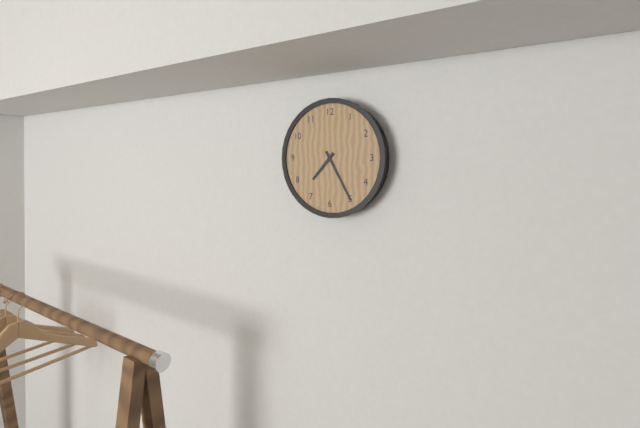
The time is h=7 m=25
